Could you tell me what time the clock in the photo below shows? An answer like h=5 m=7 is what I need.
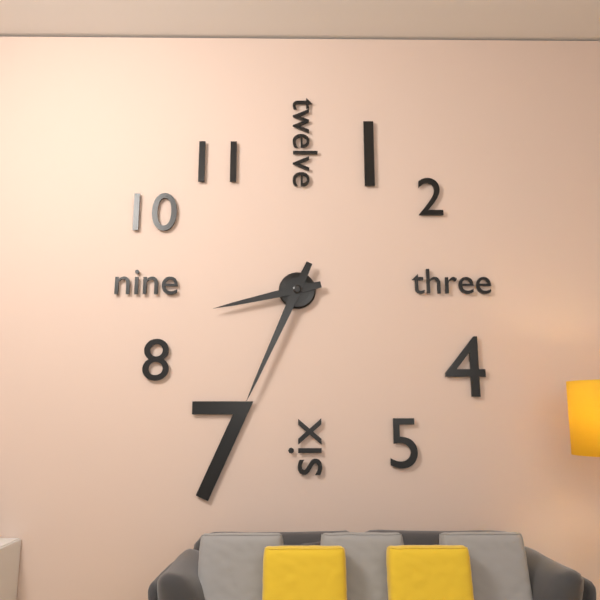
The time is h=8 m=34
